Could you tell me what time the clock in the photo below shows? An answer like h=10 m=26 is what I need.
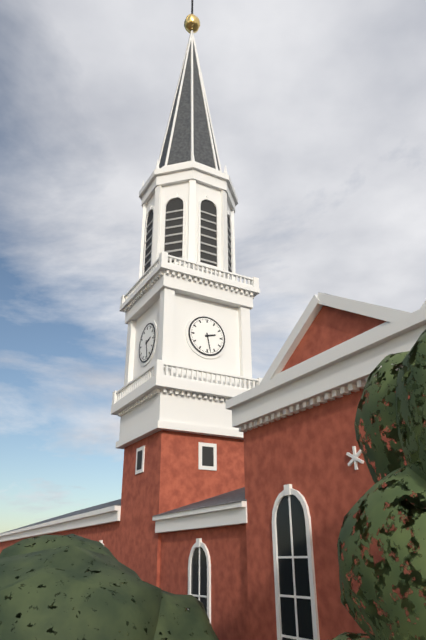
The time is h=2 m=28
